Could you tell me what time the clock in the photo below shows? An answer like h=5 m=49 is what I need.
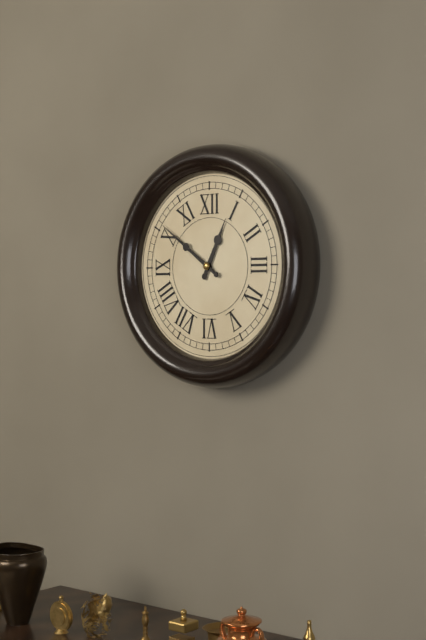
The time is h=12 m=51
